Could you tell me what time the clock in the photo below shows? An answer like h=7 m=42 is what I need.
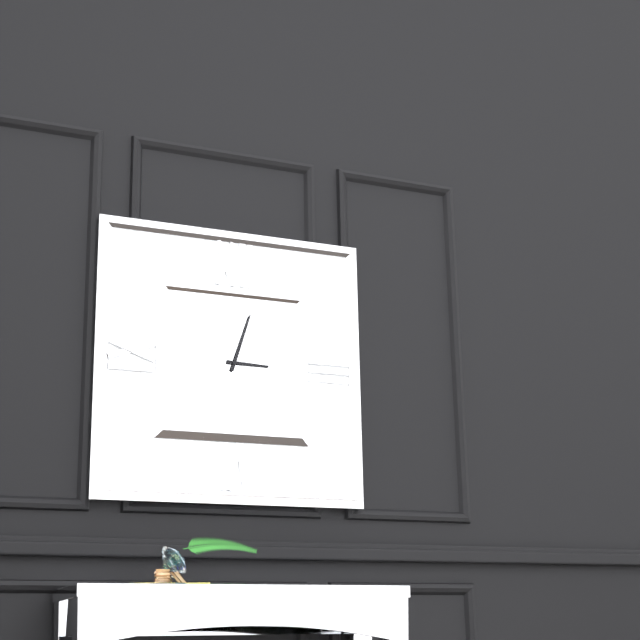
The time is h=3 m=3
